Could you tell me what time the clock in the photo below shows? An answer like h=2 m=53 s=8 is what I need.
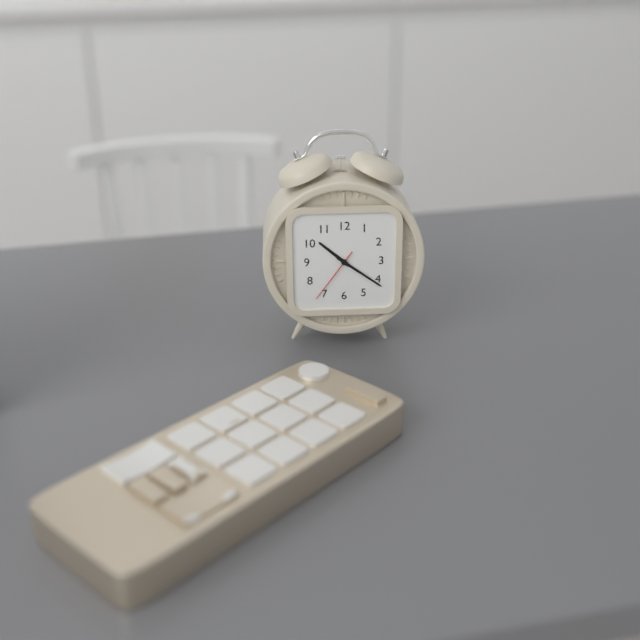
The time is h=10 m=21 s=36
